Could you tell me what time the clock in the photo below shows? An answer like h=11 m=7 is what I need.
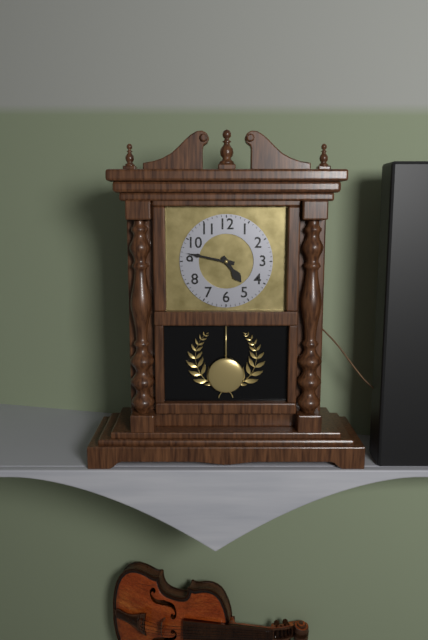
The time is h=4 m=47
